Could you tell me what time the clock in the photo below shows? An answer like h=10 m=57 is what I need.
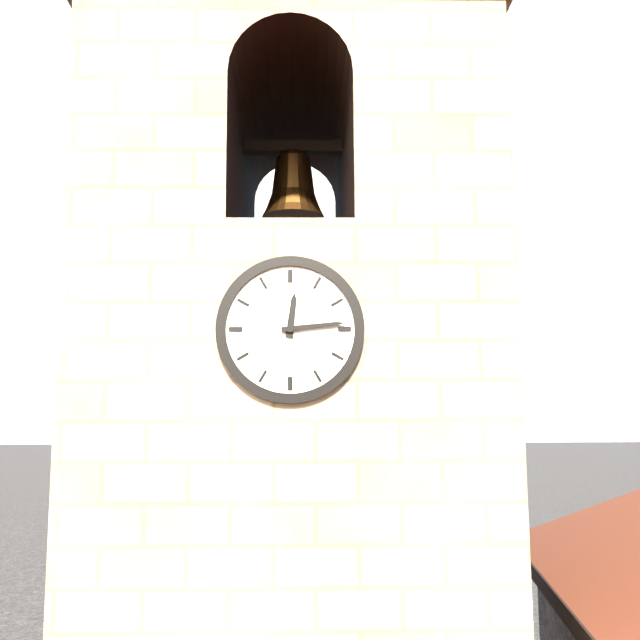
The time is h=12 m=14
